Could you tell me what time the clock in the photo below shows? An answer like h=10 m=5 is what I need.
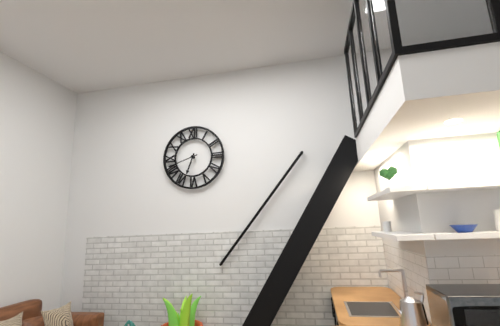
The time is h=6 m=42
